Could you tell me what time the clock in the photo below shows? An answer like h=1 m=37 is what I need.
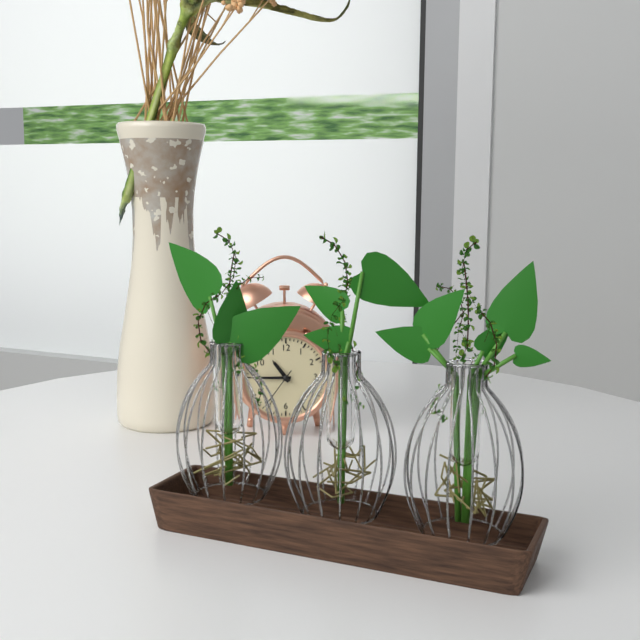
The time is h=10 m=45
